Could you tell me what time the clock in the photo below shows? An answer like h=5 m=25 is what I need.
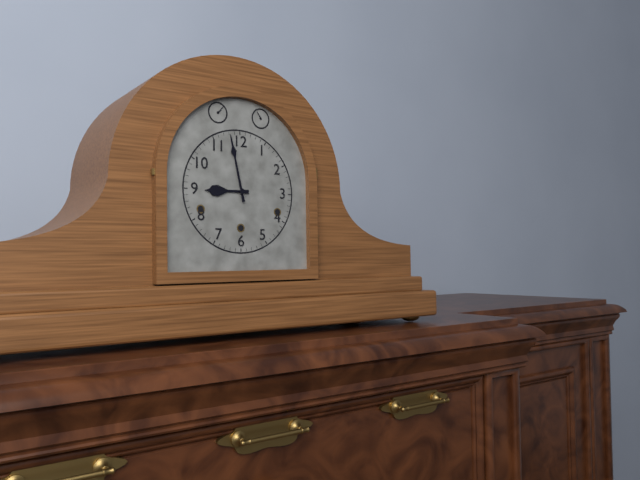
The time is h=8 m=58
